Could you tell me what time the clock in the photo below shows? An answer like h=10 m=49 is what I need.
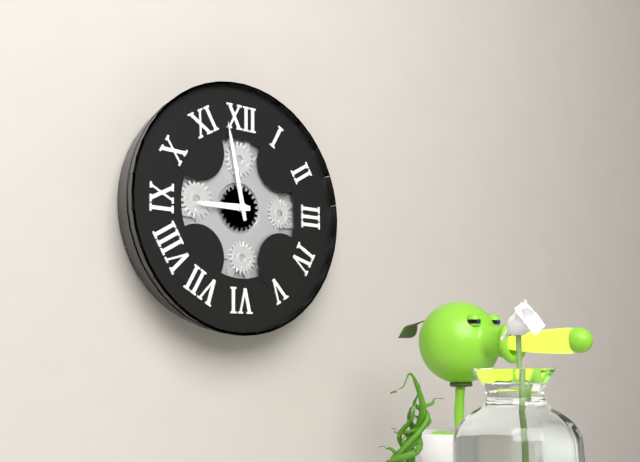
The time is h=8 m=58
